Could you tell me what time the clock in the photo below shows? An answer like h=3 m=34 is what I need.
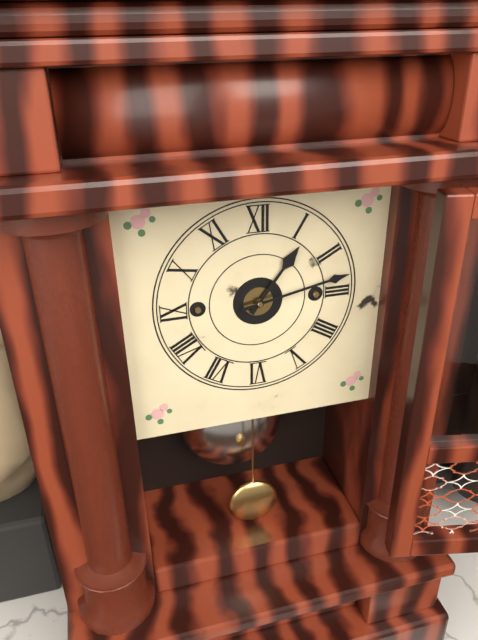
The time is h=1 m=13
